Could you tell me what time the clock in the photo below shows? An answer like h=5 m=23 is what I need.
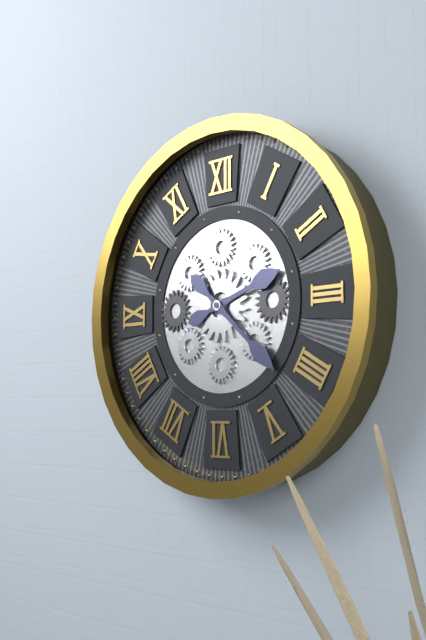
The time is h=2 m=22
